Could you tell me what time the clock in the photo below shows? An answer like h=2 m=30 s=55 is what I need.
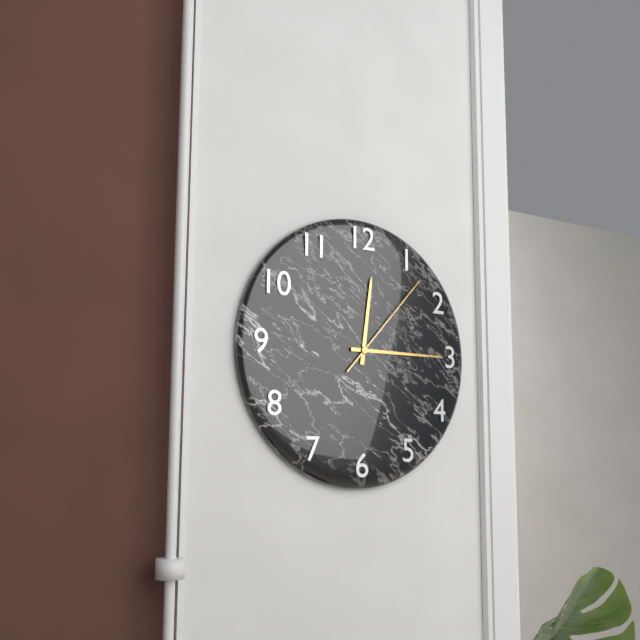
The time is h=12 m=15 s=7
